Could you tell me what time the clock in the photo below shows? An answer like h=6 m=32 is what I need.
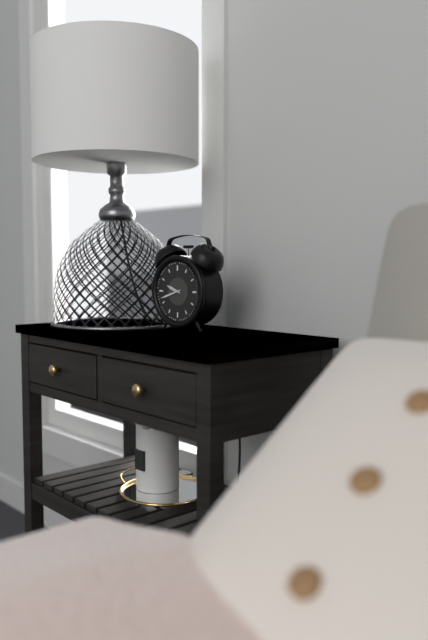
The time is h=9 m=42
